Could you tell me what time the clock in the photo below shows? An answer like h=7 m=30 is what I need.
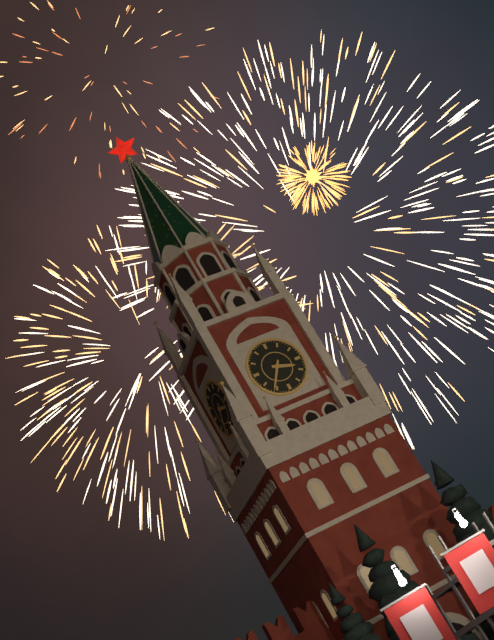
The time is h=3 m=36
